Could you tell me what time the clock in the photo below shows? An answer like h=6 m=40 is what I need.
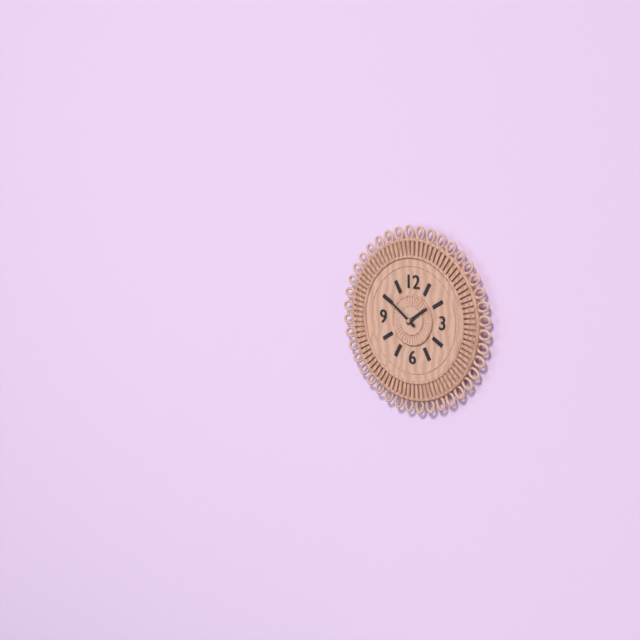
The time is h=1 m=51
